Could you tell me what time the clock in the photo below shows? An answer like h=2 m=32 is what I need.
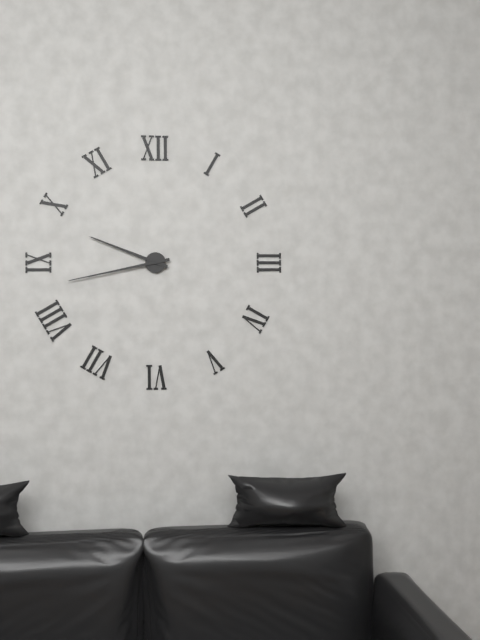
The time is h=9 m=43
